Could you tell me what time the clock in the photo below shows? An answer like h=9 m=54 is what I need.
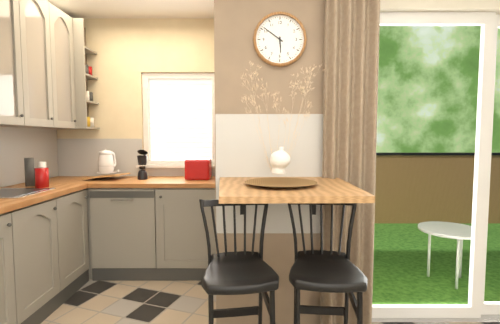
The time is h=5 m=51
